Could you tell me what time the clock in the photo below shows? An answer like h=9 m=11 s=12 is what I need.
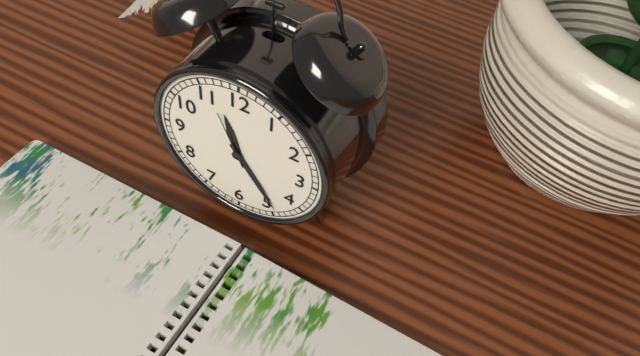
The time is h=11 m=24 s=56
